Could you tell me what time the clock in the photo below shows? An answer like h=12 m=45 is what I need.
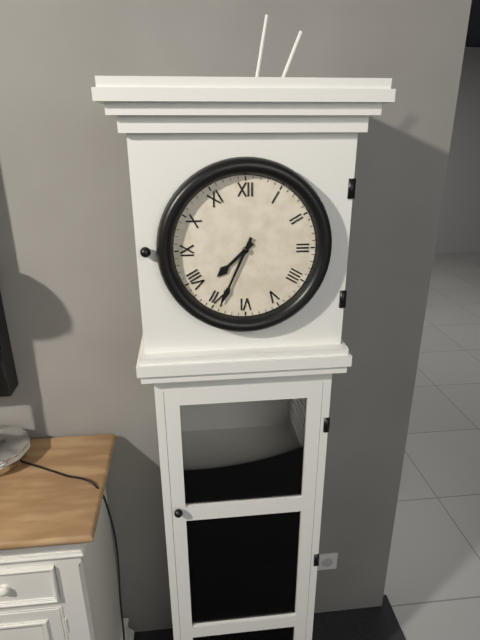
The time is h=7 m=34
